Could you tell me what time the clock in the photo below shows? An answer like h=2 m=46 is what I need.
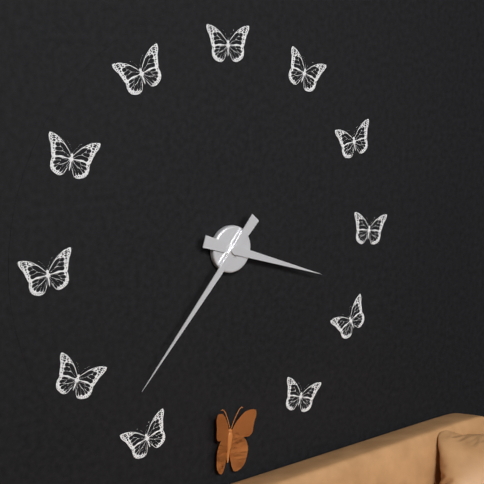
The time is h=3 m=37
